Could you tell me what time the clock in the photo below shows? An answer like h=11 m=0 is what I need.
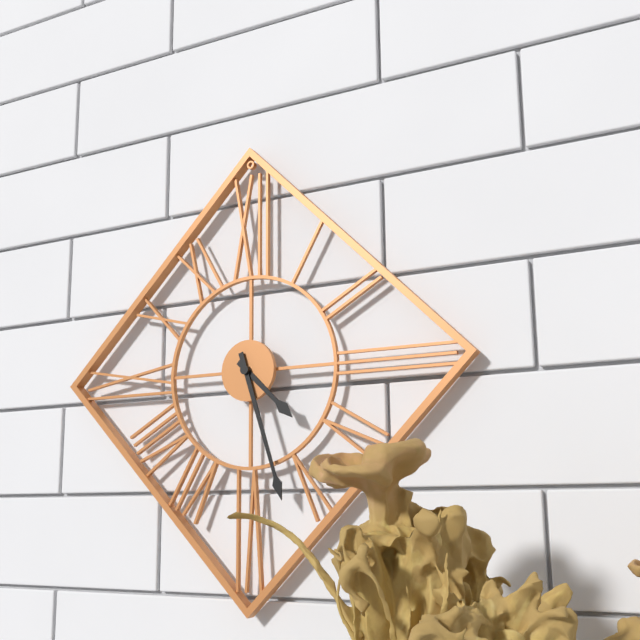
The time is h=4 m=27
